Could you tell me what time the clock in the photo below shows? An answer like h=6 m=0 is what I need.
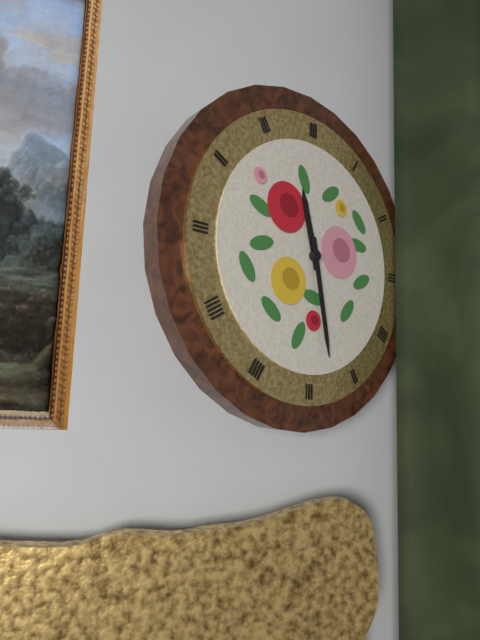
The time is h=11 m=28
